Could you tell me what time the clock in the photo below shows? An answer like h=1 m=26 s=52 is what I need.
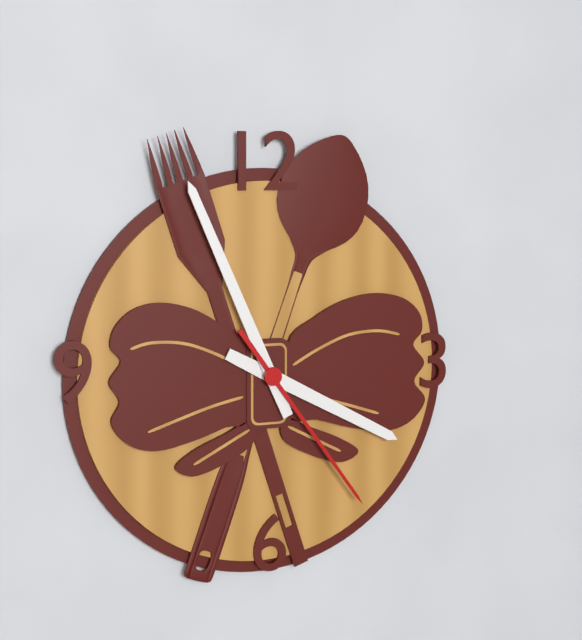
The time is h=3 m=56 s=24
